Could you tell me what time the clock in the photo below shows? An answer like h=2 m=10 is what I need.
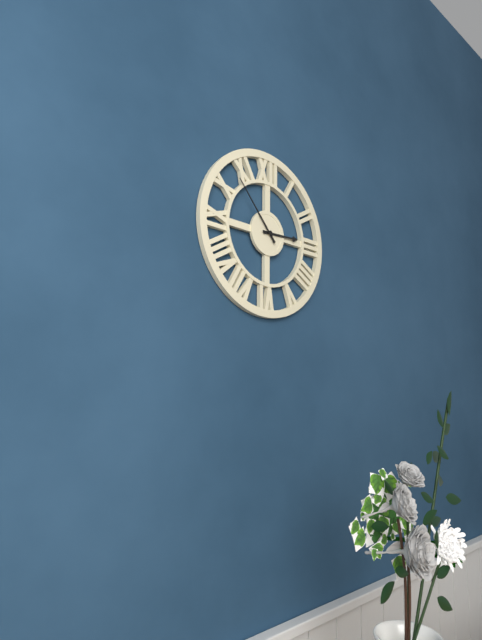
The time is h=2 m=53
